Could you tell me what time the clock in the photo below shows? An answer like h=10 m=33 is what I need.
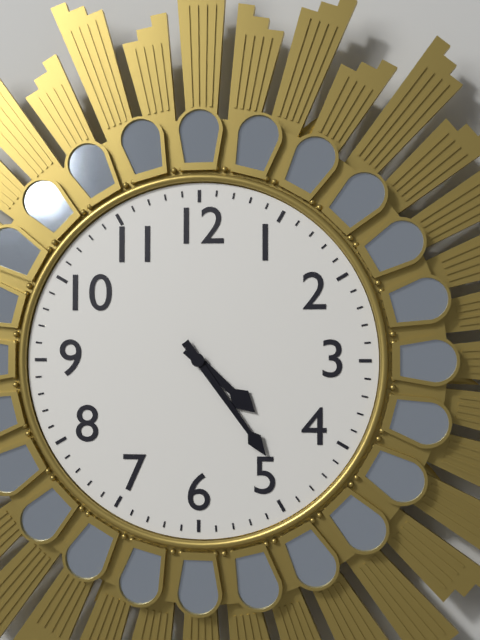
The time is h=4 m=24
